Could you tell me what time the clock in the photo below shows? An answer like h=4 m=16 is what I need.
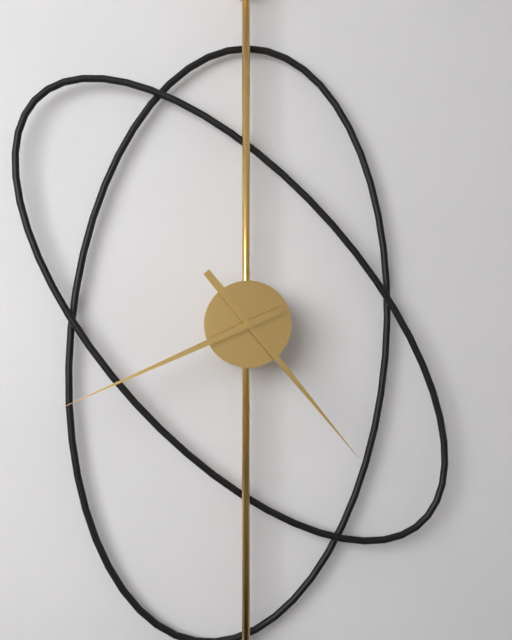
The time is h=4 m=41
